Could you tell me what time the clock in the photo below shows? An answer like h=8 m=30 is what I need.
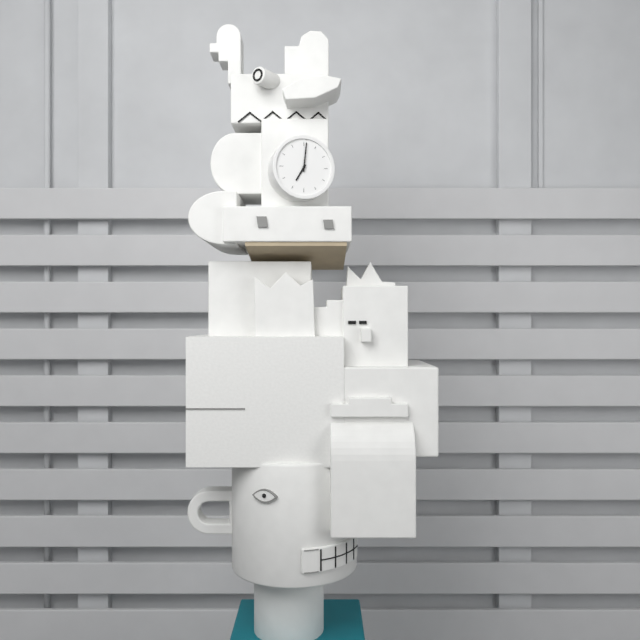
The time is h=7 m=1
